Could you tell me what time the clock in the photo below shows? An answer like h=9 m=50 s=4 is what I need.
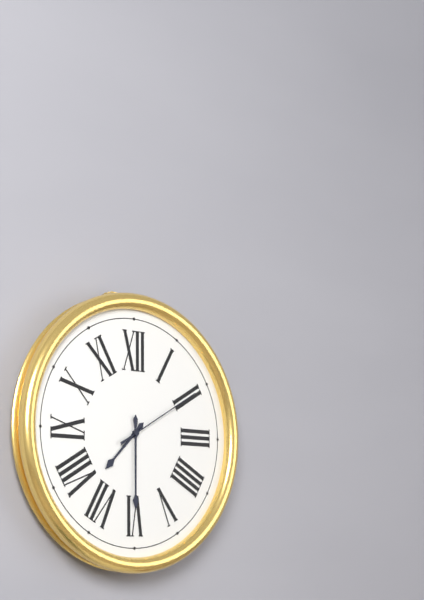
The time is h=7 m=30 s=10
